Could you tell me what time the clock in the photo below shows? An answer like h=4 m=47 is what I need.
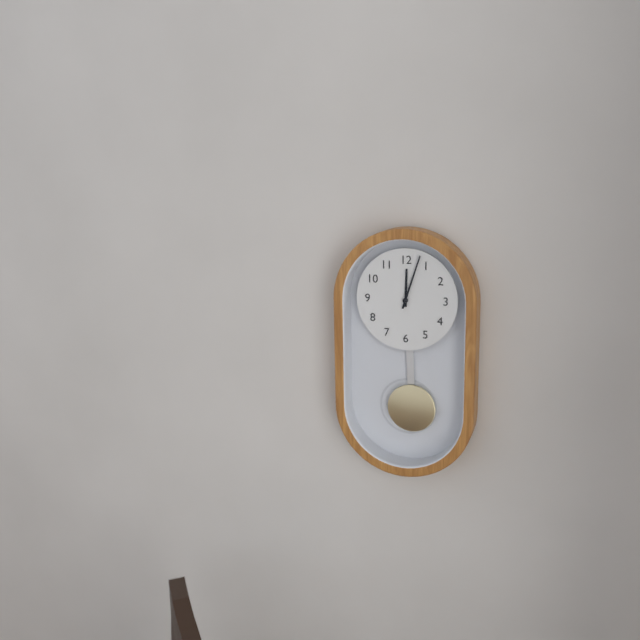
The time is h=12 m=3
